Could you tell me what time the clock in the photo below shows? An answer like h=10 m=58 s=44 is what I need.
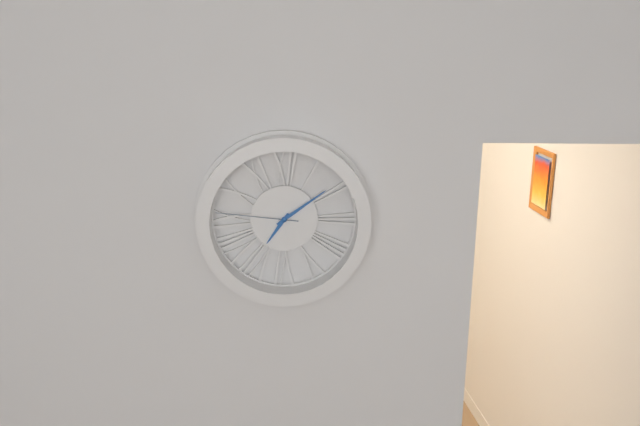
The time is h=7 m=9 s=46
